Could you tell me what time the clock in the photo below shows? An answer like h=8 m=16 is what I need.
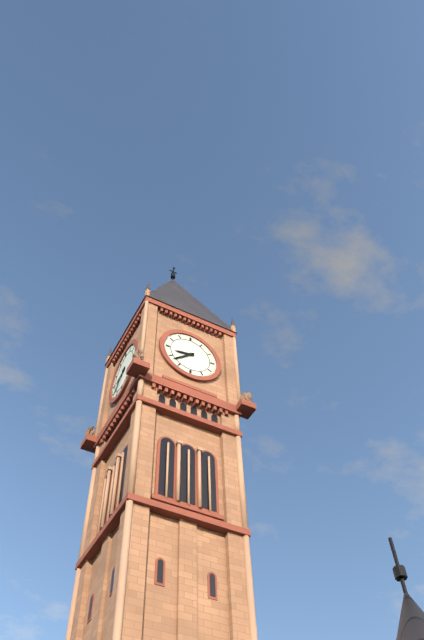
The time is h=8 m=38
